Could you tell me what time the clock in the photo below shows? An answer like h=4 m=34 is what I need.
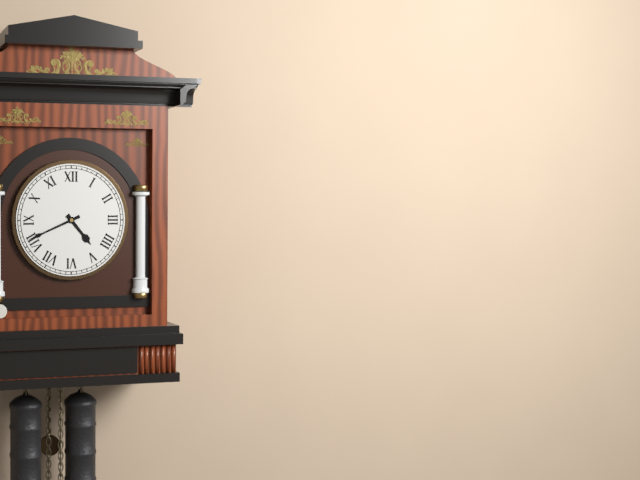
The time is h=4 m=41
